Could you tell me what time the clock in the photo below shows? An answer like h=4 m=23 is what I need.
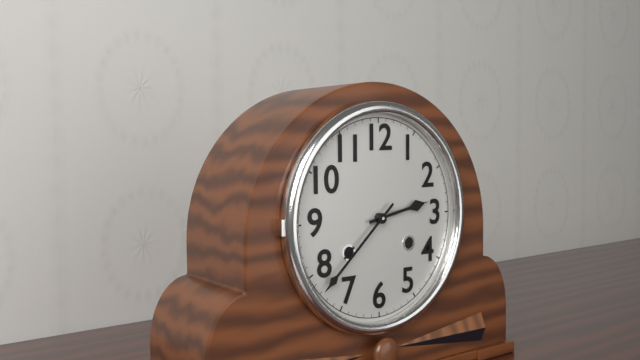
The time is h=2 m=38
